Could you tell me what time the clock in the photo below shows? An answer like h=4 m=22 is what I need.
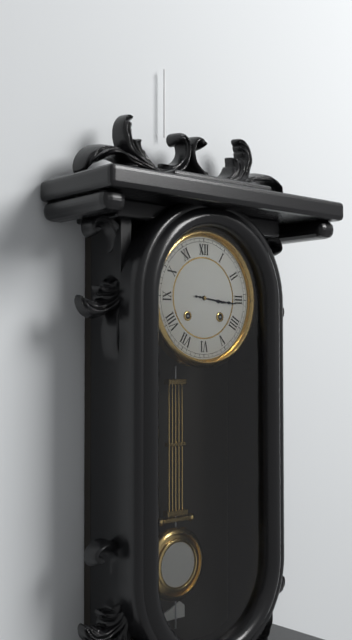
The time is h=3 m=16
